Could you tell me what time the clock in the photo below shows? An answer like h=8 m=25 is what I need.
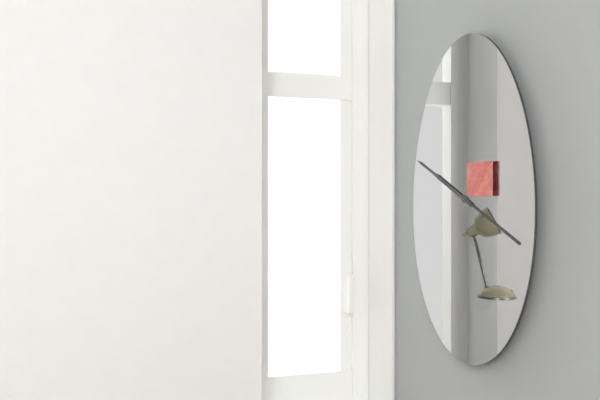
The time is h=9 m=49
